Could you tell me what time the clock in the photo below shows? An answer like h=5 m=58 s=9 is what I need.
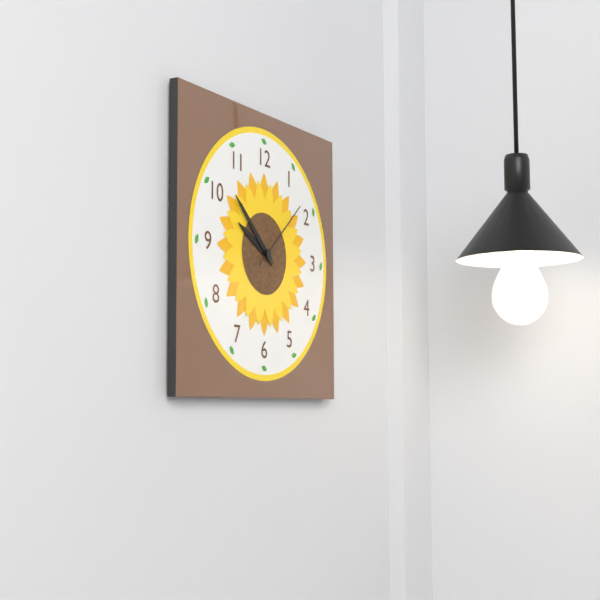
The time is h=9 m=52 s=8
